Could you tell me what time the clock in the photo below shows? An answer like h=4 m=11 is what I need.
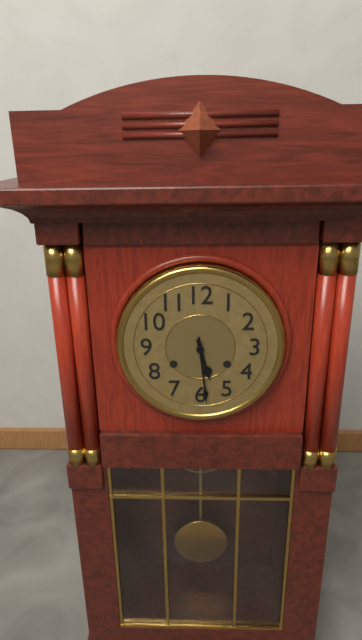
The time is h=5 m=29
